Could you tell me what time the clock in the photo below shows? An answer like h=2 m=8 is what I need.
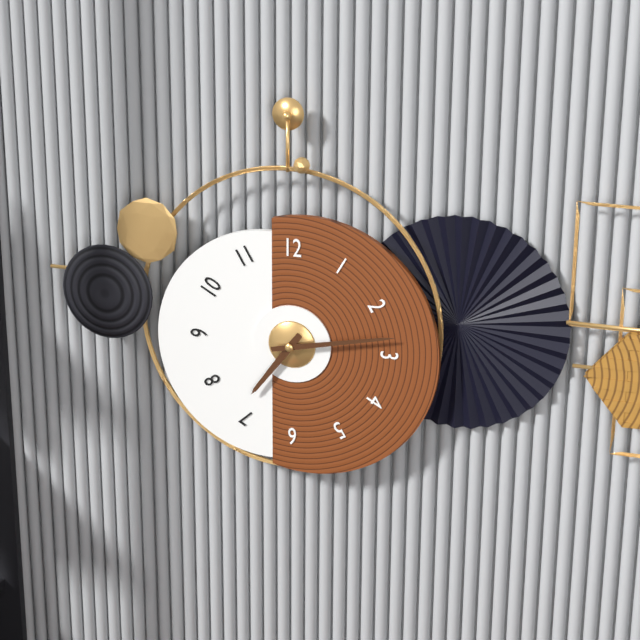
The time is h=7 m=13
